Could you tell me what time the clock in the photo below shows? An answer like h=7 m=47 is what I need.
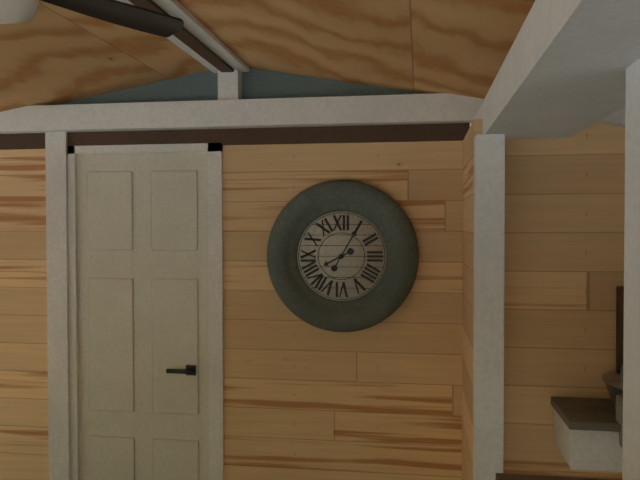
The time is h=8 m=5
